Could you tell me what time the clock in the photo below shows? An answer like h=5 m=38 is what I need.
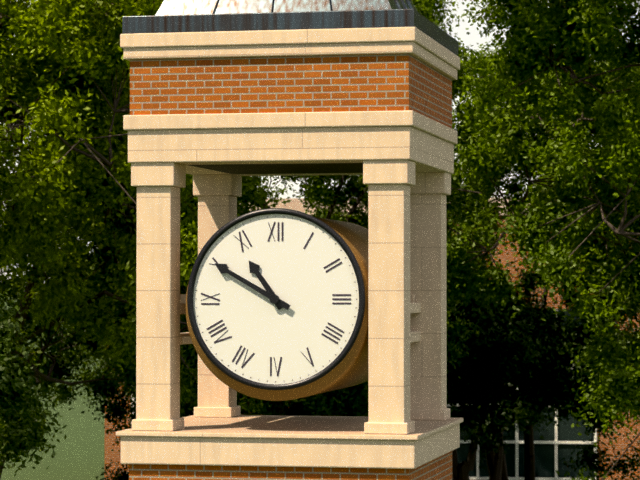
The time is h=10 m=50
